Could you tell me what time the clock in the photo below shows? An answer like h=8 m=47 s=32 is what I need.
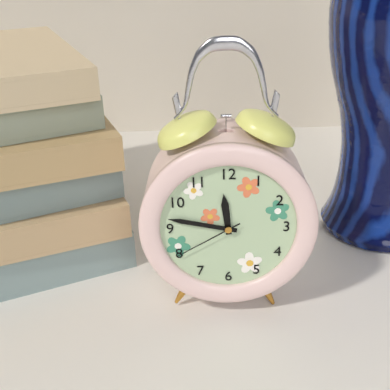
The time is h=11 m=47 s=40
